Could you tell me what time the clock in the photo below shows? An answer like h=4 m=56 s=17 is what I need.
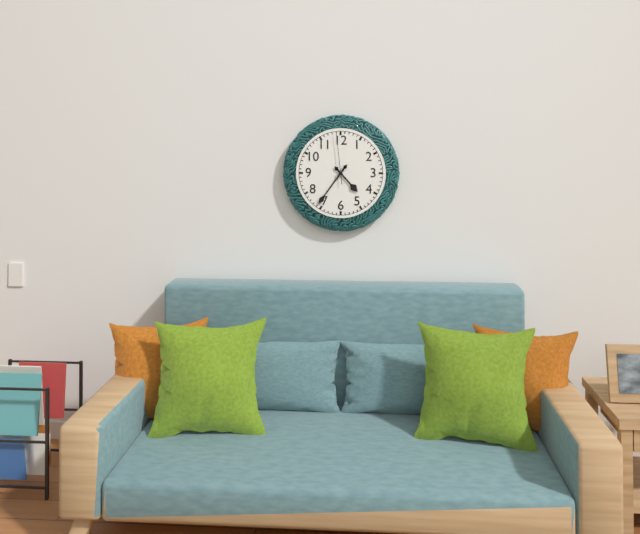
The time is h=4 m=36 s=59
